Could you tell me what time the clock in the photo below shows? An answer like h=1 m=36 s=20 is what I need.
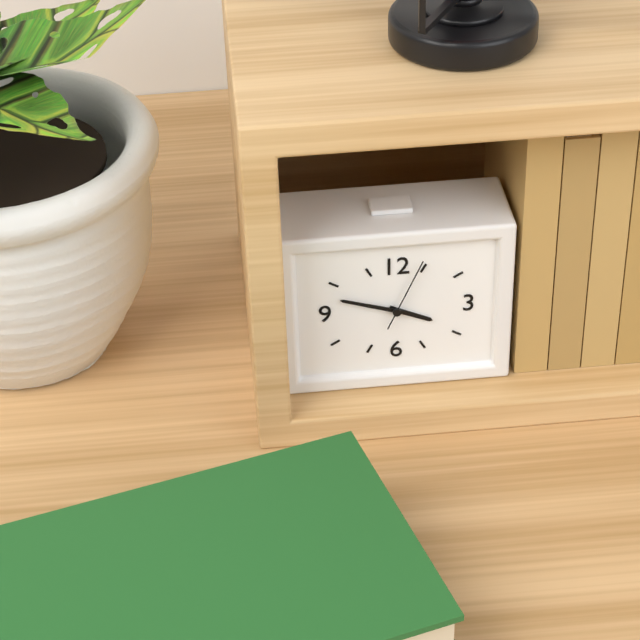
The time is h=3 m=48 s=4
